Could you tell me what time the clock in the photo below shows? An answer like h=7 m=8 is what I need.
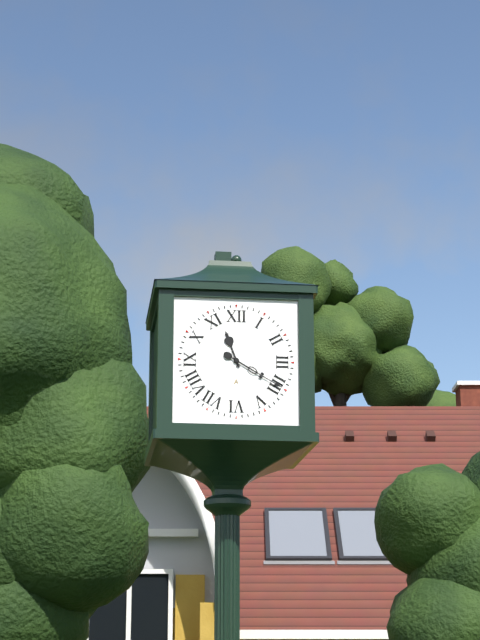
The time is h=11 m=20
